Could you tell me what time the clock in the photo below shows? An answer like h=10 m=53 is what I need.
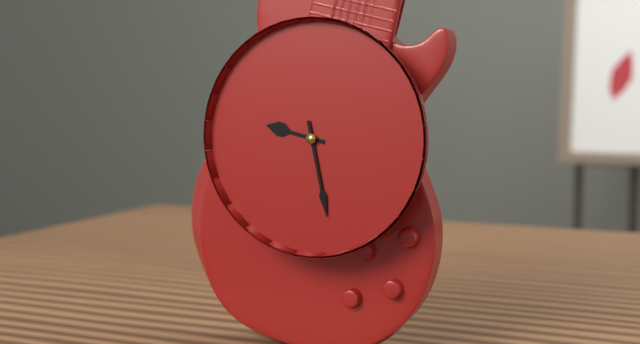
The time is h=9 m=28
